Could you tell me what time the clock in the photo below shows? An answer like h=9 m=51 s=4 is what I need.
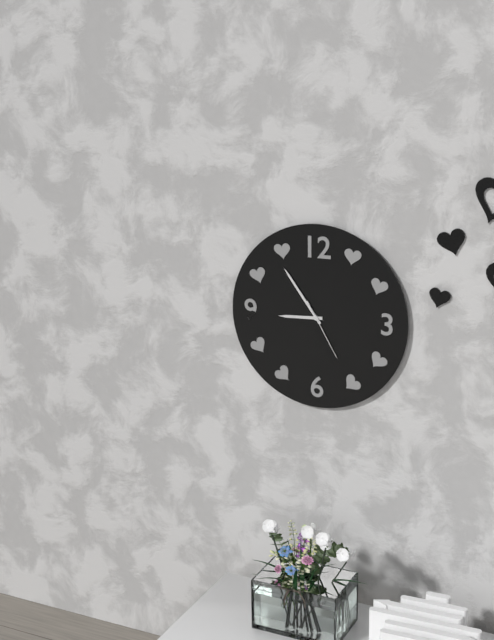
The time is h=8 m=54 s=25
